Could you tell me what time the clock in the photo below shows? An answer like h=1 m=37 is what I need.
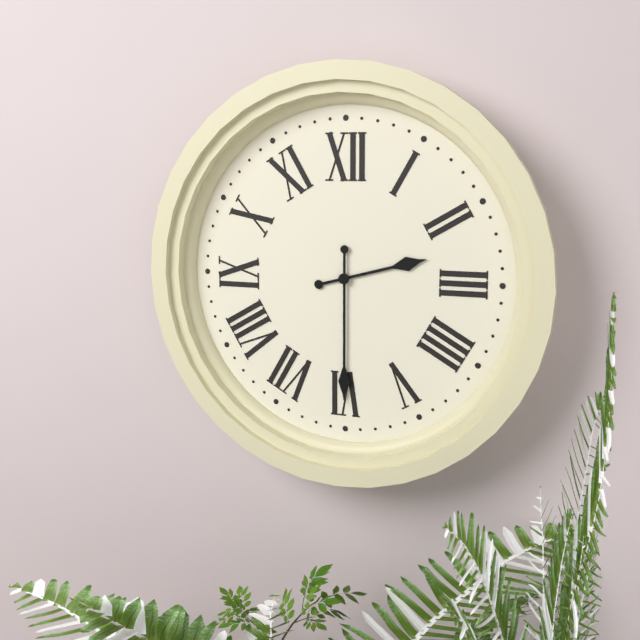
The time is h=2 m=30
